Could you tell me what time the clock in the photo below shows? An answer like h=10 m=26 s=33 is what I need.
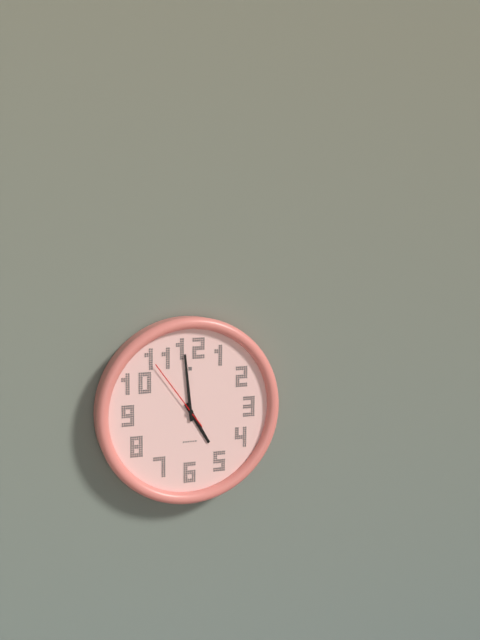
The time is h=4 m=59 s=54
